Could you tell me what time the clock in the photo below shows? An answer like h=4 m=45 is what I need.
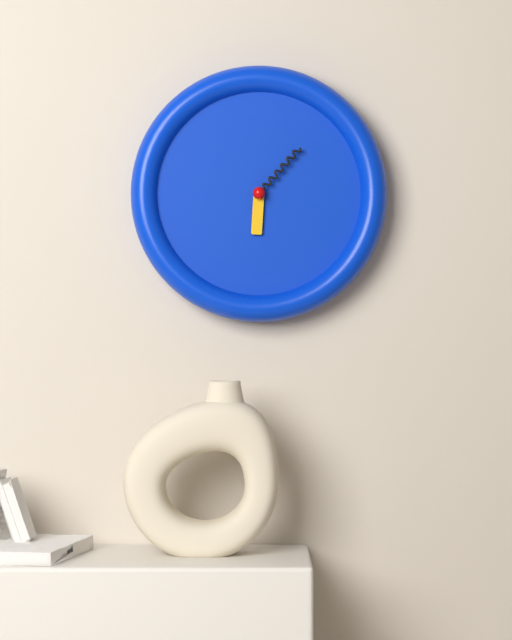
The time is h=6 m=7
